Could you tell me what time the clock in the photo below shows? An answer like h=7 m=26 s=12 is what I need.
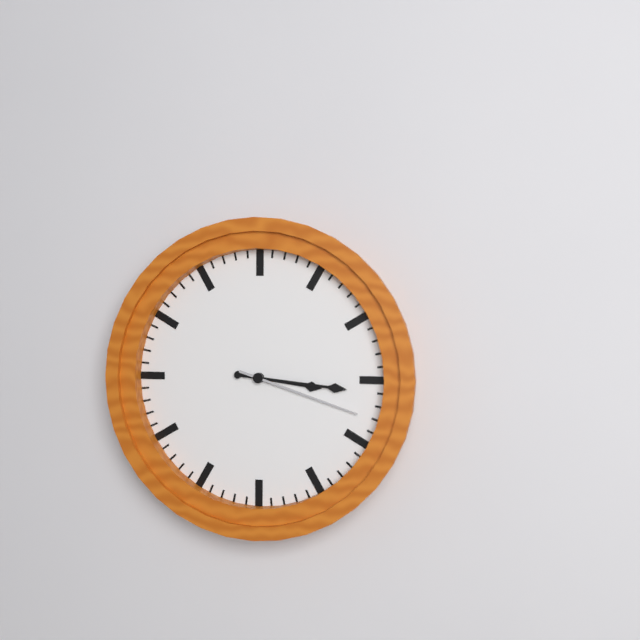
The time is h=3 m=16 s=18
